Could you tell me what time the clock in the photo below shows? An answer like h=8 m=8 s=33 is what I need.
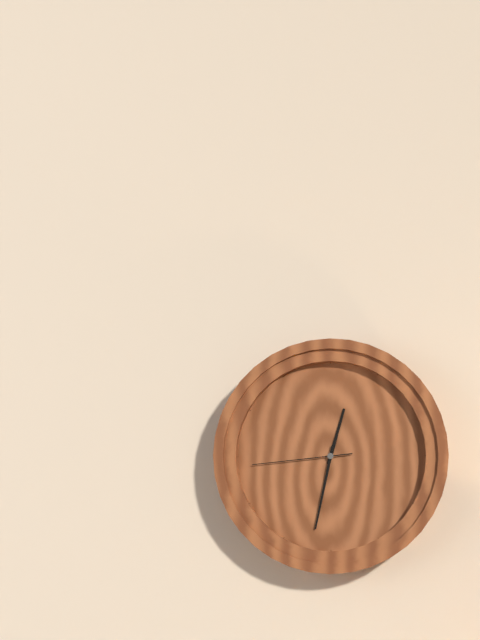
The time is h=12 m=32 s=44
